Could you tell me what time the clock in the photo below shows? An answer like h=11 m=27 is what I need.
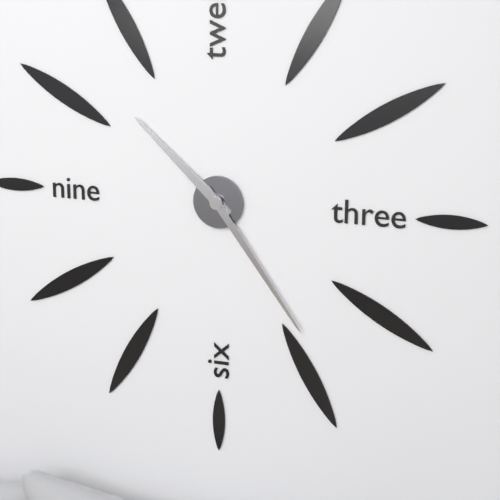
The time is h=10 m=24
